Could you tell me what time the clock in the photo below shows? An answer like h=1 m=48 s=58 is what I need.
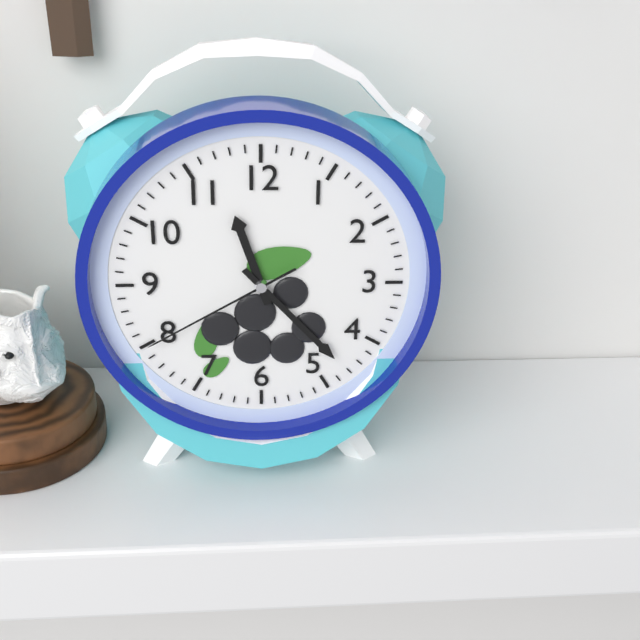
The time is h=11 m=23 s=40
